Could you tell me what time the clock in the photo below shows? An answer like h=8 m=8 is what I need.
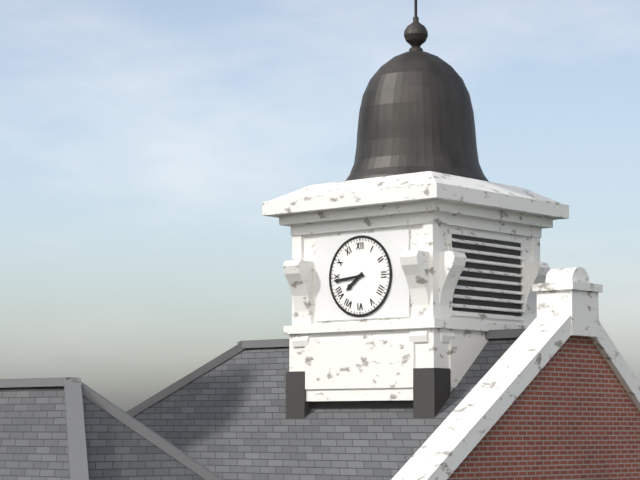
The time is h=7 m=44
